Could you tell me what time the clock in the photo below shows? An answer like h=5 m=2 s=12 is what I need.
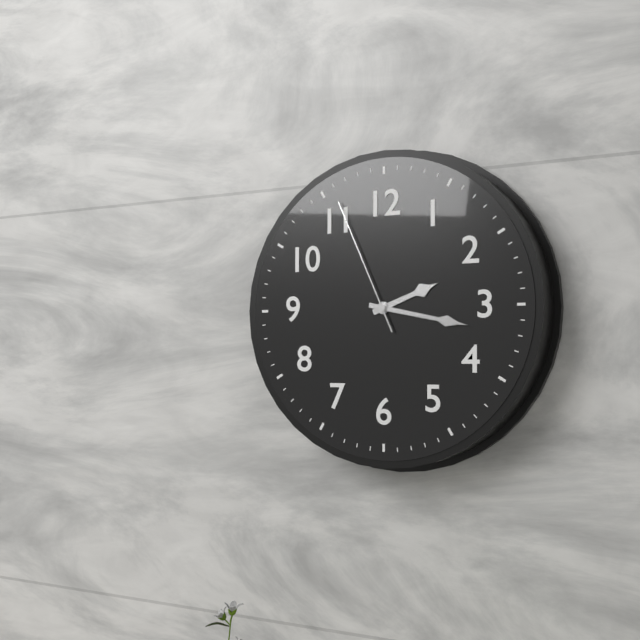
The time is h=2 m=17 s=56
